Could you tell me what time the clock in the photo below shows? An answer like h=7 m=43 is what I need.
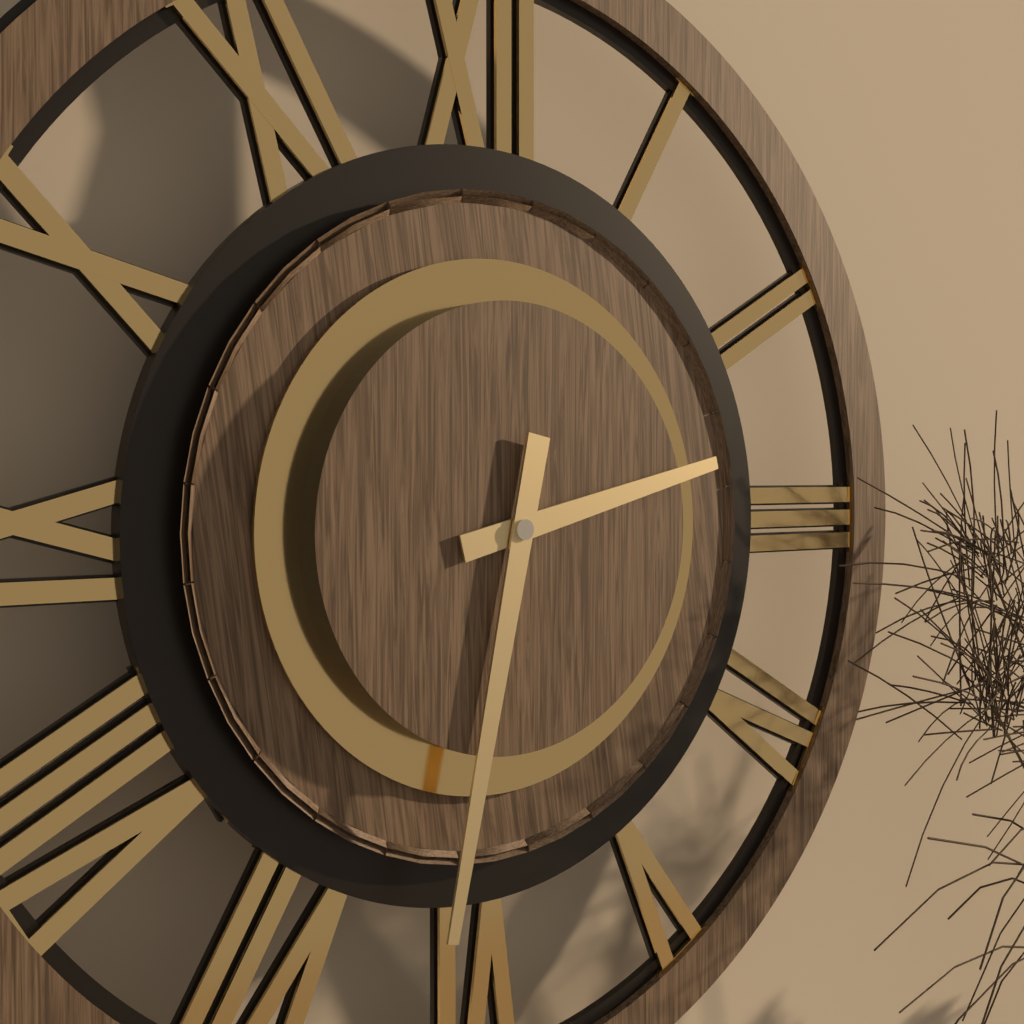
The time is h=2 m=32
